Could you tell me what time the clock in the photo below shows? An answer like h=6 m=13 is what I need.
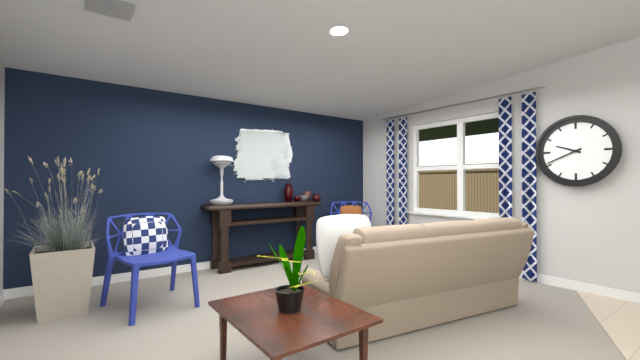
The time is h=9 m=41
